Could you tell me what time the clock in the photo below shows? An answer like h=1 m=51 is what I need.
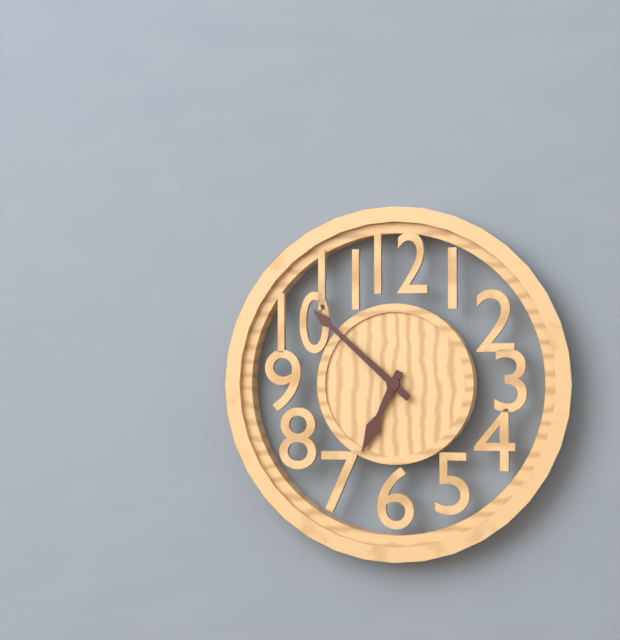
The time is h=6 m=52
